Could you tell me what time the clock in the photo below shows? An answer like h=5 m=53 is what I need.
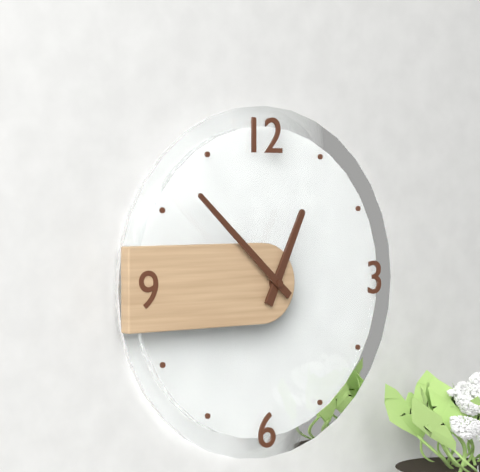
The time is h=12 m=52
